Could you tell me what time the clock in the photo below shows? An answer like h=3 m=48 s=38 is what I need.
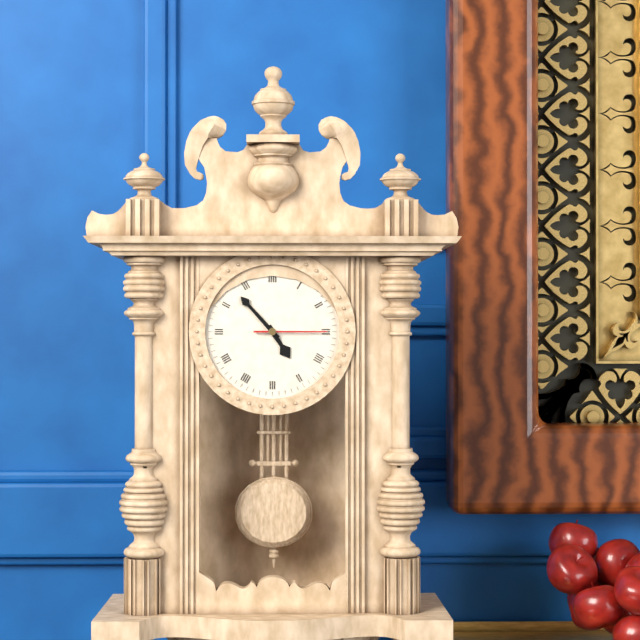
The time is h=4 m=53 s=15
